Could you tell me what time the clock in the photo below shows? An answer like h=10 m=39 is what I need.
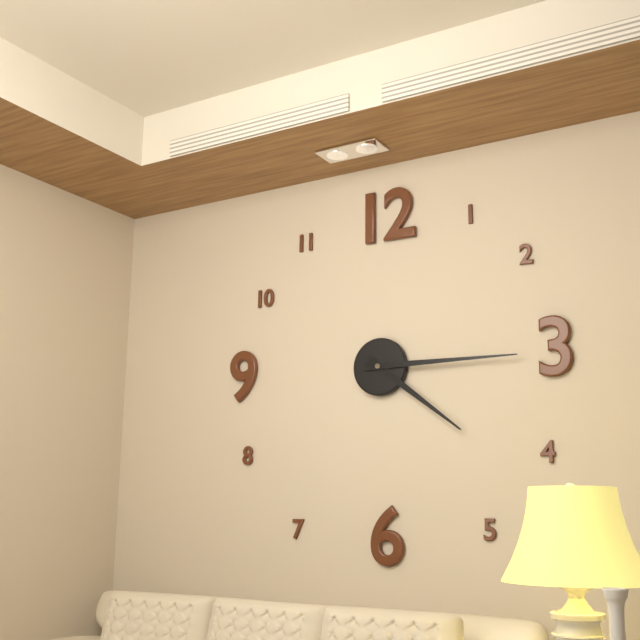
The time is h=4 m=15
